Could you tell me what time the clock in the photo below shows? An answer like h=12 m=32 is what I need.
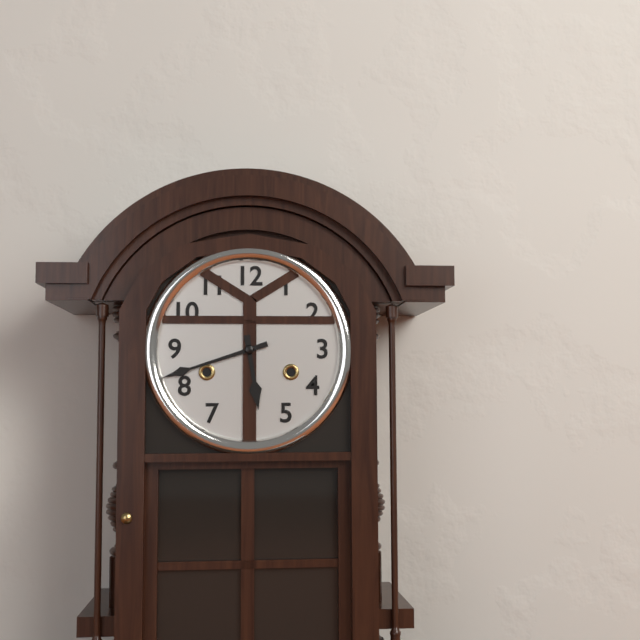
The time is h=5 m=42
